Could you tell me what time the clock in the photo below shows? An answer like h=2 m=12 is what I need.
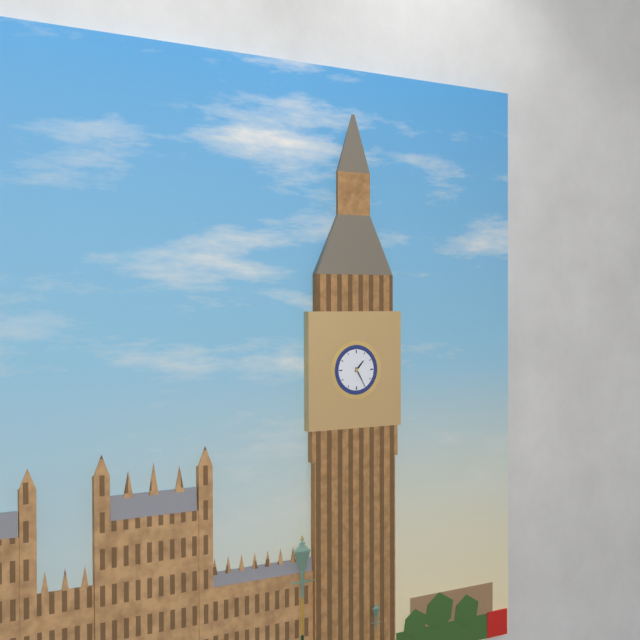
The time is h=1 m=25
